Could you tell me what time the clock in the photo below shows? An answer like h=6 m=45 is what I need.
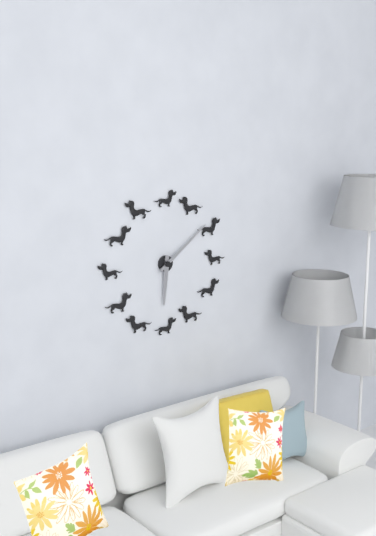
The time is h=6 m=9
